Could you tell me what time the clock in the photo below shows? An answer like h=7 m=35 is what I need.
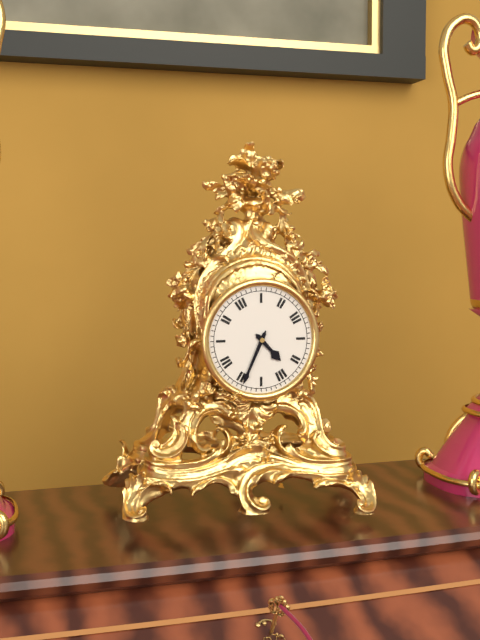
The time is h=4 m=34
